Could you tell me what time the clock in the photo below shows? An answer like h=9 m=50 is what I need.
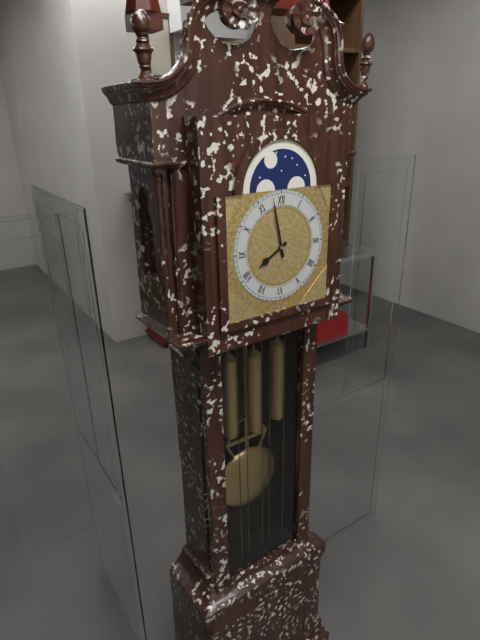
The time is h=7 m=58
